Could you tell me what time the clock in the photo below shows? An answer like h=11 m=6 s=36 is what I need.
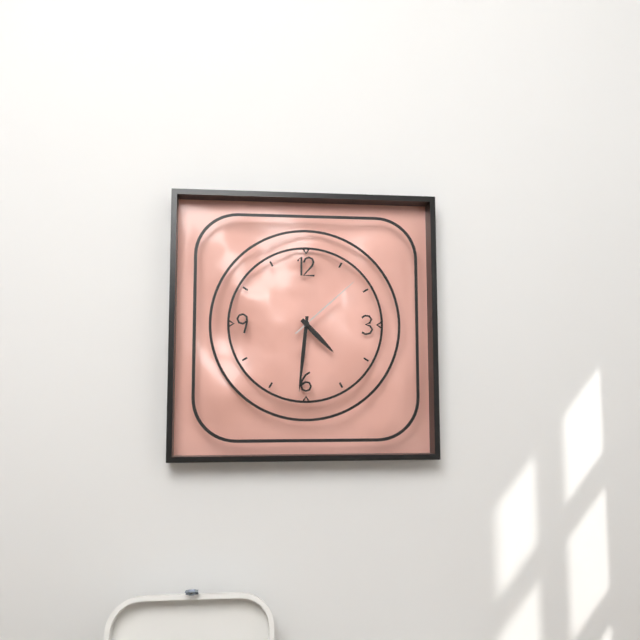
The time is h=4 m=31 s=8
